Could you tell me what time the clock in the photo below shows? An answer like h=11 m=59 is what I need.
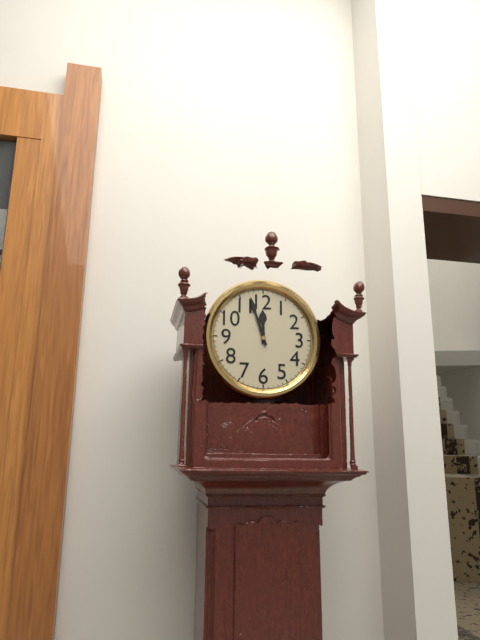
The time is h=11 m=57
